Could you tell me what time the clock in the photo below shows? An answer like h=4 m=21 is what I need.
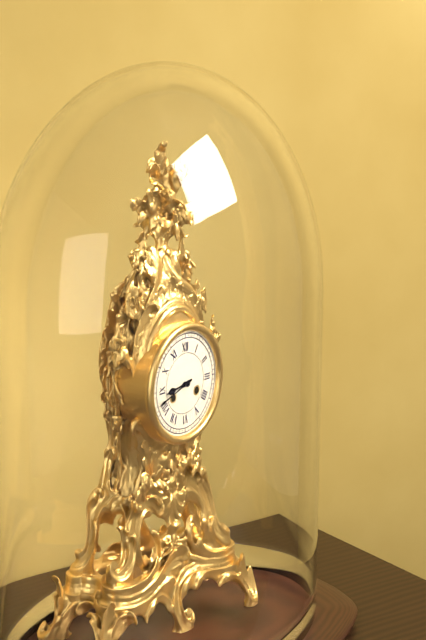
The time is h=8 m=42
